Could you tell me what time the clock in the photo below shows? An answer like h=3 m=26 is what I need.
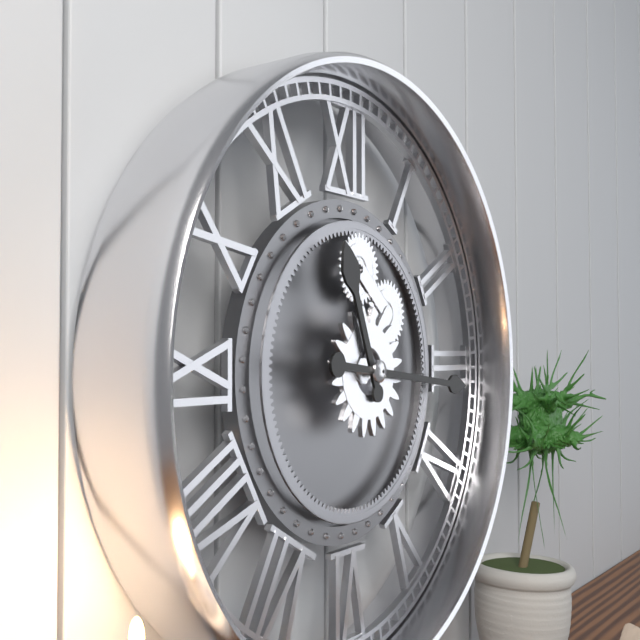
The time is h=11 m=16
